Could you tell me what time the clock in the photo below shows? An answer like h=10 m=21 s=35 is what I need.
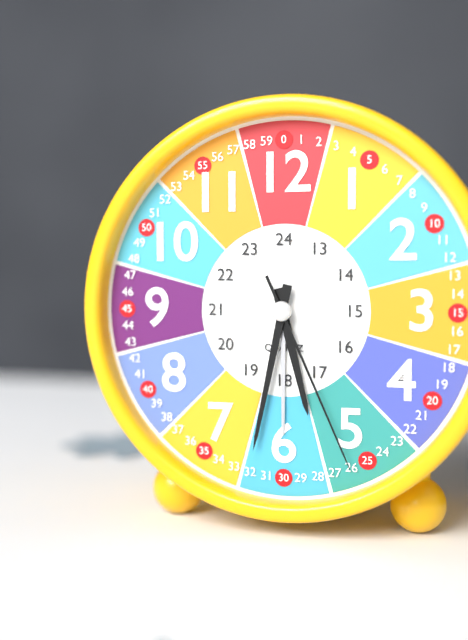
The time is h=5 m=32 s=26
